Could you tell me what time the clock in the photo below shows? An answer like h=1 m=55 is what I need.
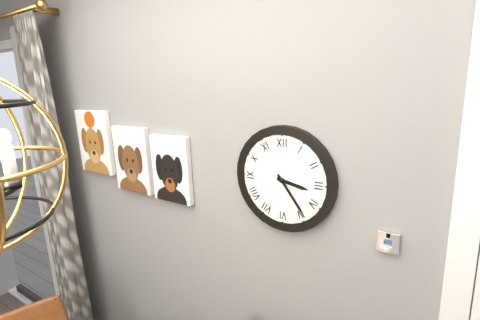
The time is h=3 m=24
